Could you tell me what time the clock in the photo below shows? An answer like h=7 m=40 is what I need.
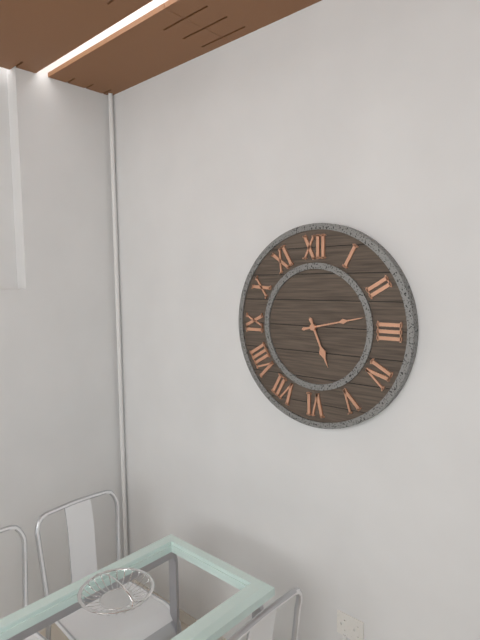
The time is h=5 m=13
